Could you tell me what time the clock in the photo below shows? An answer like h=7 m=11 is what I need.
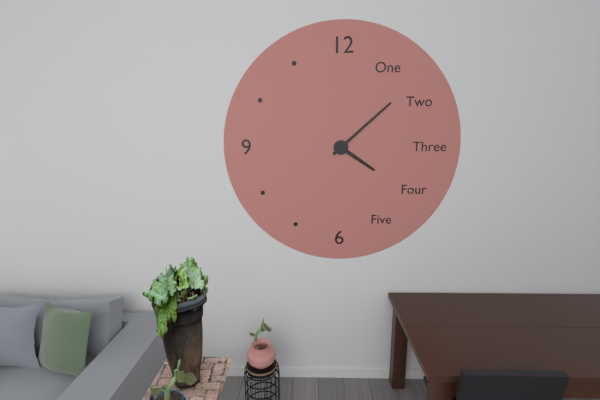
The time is h=4 m=8
